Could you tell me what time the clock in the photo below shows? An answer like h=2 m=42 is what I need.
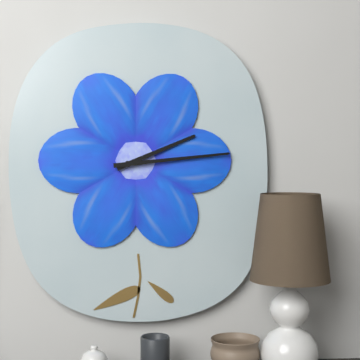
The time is h=2 m=14
